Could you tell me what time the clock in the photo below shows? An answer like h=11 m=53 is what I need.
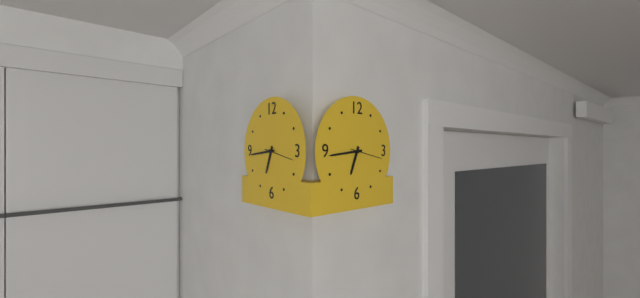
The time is h=6 m=44
